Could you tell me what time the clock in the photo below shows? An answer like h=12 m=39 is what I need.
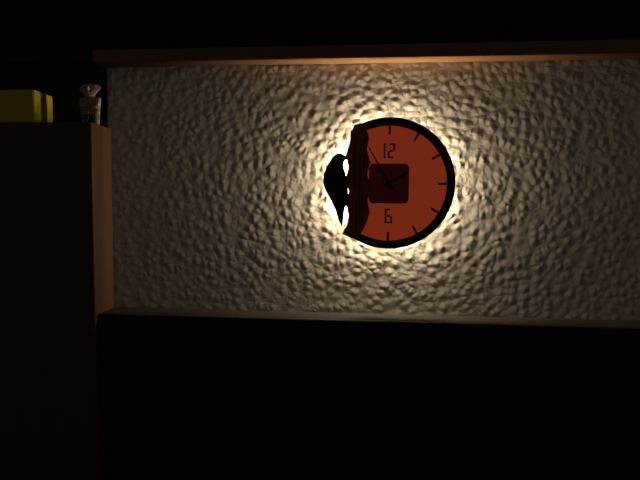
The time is h=1 m=55
